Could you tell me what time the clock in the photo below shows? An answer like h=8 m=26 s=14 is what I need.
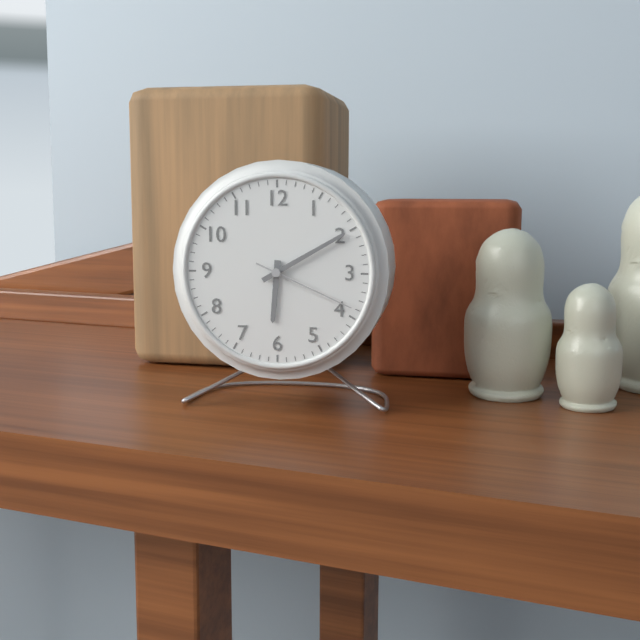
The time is h=6 m=10 s=19
